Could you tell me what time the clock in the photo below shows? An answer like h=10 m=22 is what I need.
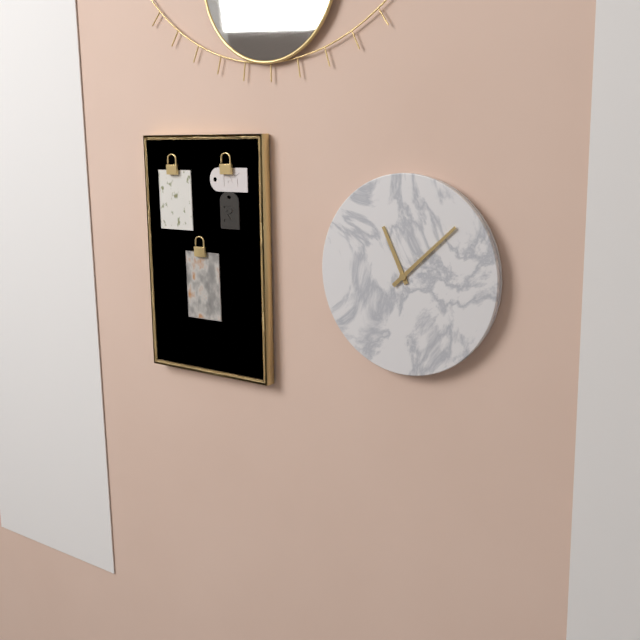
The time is h=11 m=8
